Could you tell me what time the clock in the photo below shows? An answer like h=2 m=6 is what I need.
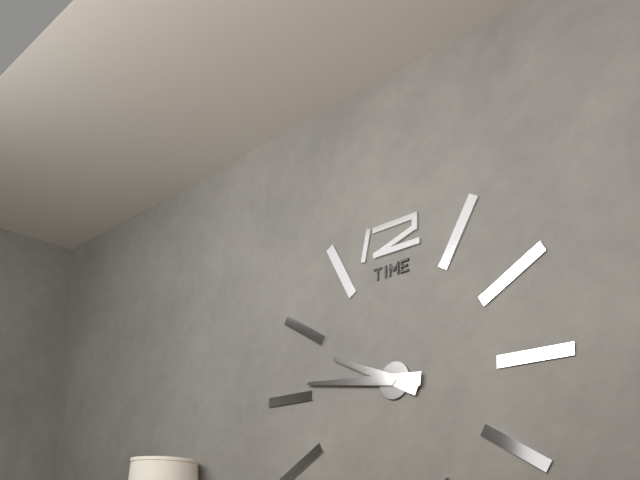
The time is h=9 m=46
